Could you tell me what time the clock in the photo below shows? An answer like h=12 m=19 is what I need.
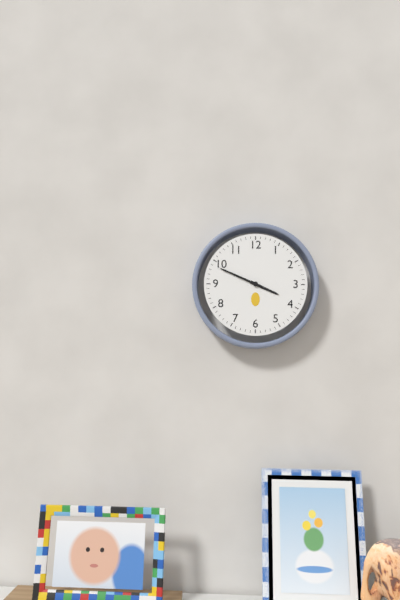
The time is h=3 m=49
